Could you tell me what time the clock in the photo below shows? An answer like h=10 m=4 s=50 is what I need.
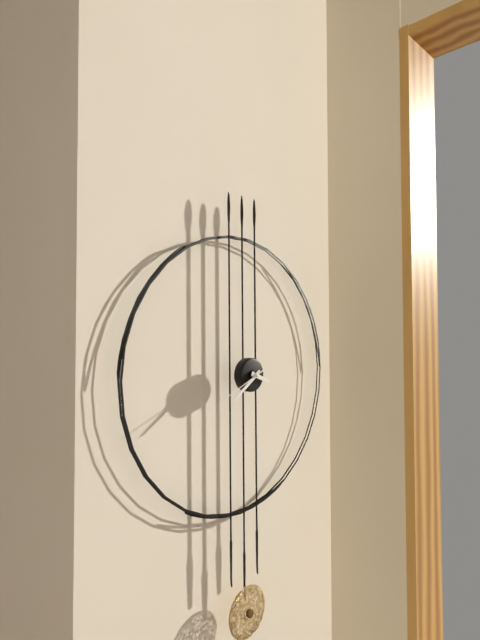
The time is h=3 m=39 s=41
